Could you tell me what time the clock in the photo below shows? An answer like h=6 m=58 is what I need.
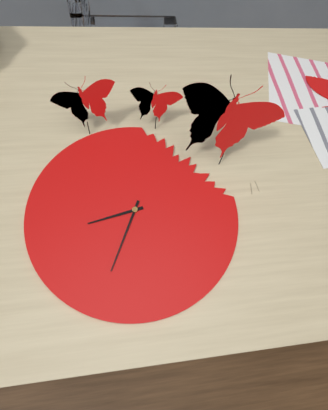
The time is h=8 m=34
